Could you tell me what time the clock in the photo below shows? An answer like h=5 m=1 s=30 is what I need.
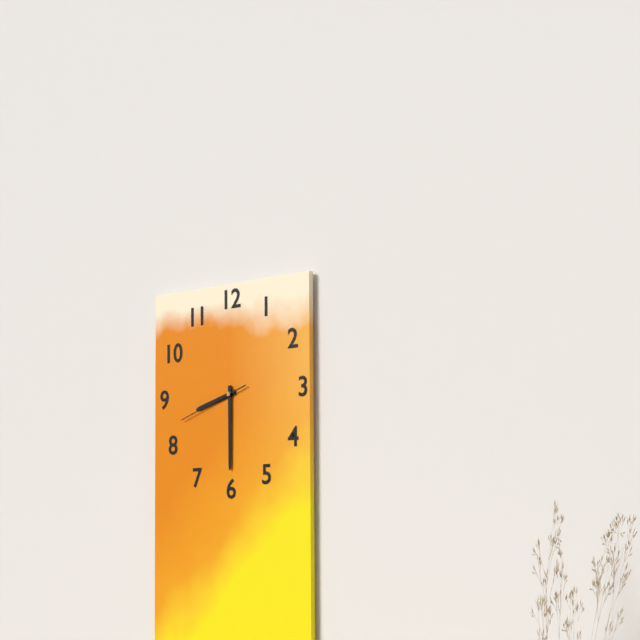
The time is h=8 m=30 s=42
